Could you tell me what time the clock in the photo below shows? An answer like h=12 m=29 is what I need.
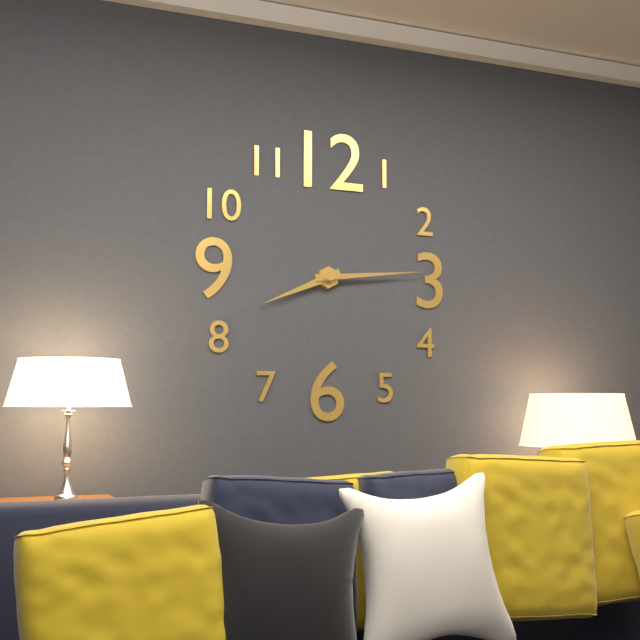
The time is h=8 m=14
